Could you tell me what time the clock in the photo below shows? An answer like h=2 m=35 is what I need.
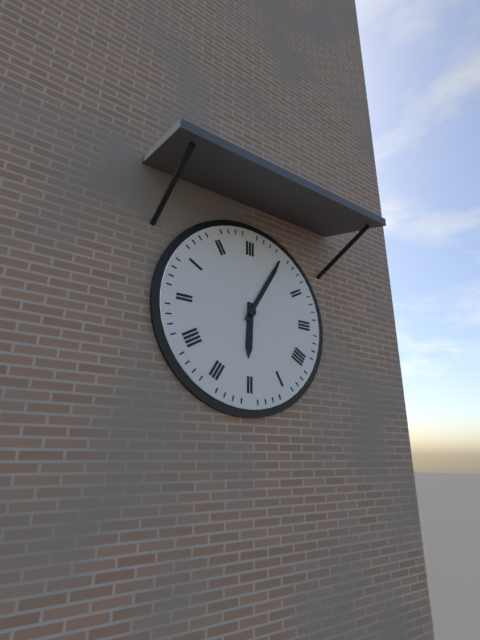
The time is h=6 m=5
